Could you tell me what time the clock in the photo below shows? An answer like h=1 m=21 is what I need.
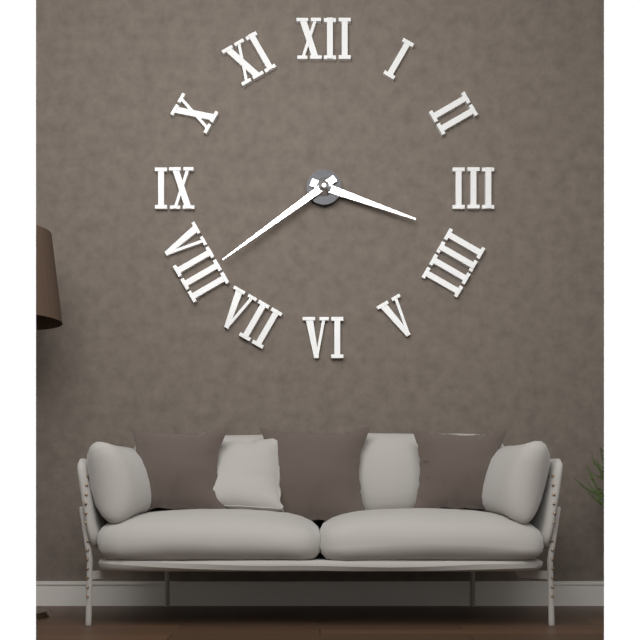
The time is h=3 m=39
